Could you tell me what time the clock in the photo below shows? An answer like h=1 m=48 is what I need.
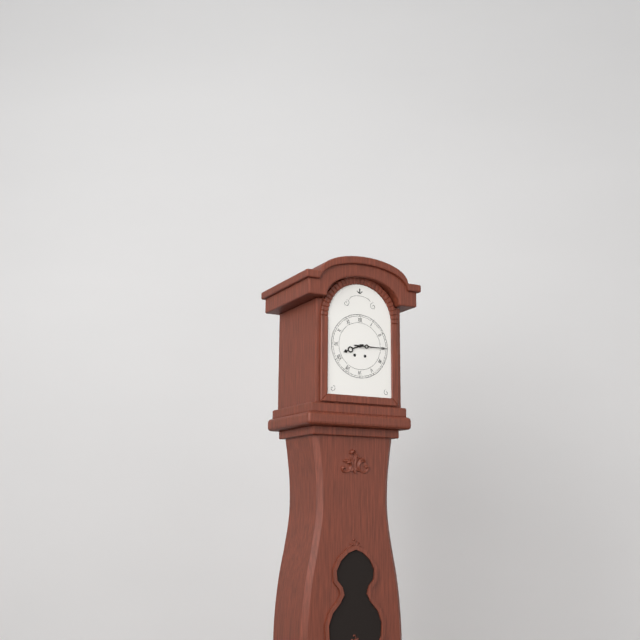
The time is h=8 m=15
